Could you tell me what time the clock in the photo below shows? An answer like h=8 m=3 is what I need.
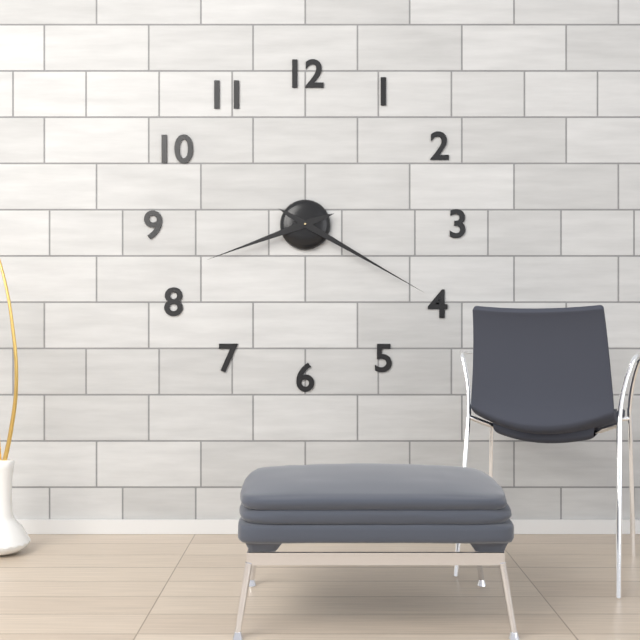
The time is h=8 m=20
